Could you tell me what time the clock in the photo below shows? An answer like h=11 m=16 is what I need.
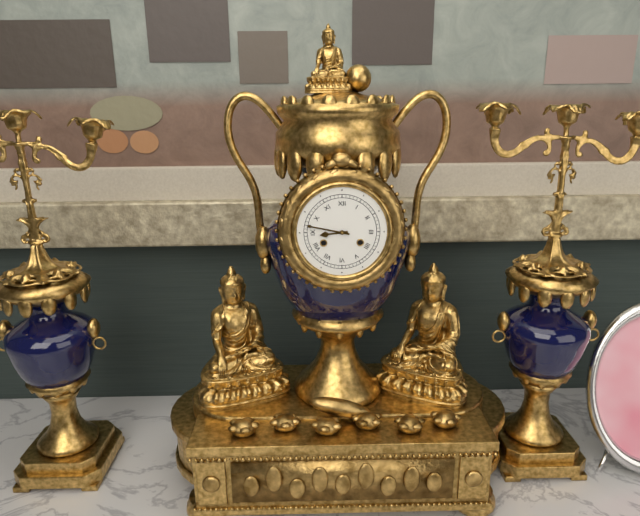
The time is h=8 m=47
